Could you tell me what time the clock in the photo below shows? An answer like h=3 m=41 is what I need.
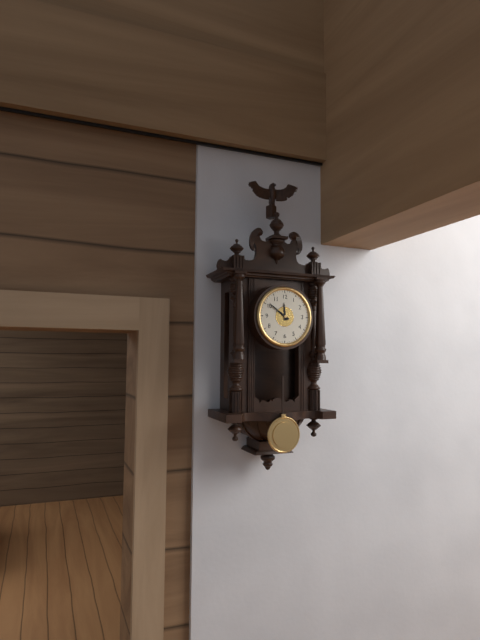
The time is h=11 m=51
